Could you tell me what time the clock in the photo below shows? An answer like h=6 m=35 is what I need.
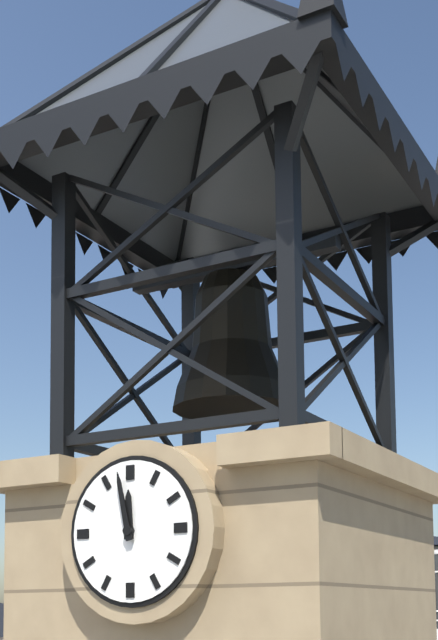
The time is h=11 m=58
